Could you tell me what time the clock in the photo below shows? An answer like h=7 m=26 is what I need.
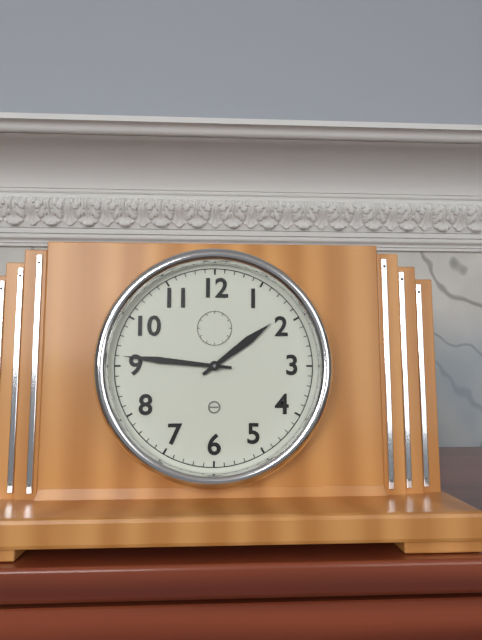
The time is h=1 m=46
